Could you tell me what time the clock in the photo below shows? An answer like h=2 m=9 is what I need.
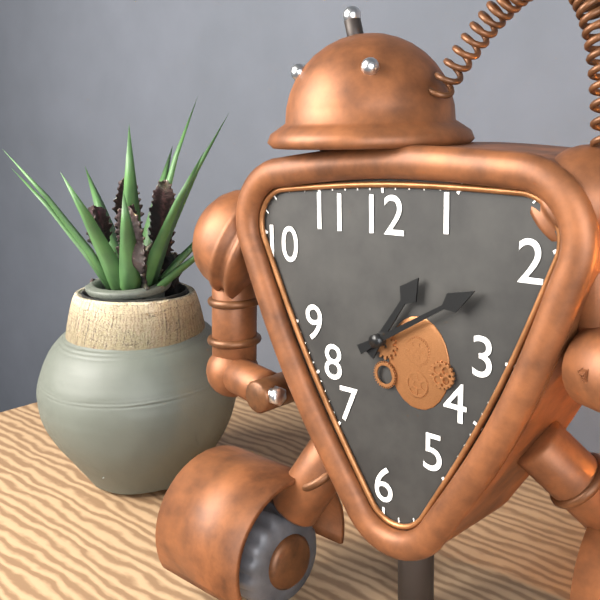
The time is h=1 m=10
